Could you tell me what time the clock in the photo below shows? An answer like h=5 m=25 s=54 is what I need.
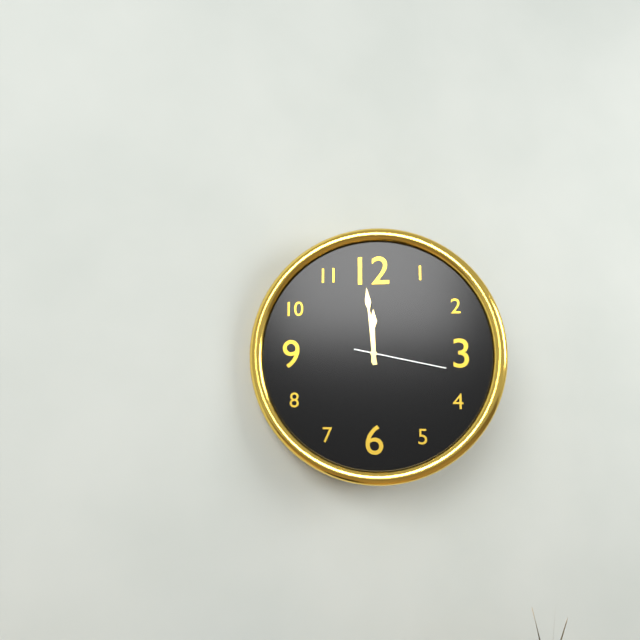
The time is h=11 m=59 s=17
